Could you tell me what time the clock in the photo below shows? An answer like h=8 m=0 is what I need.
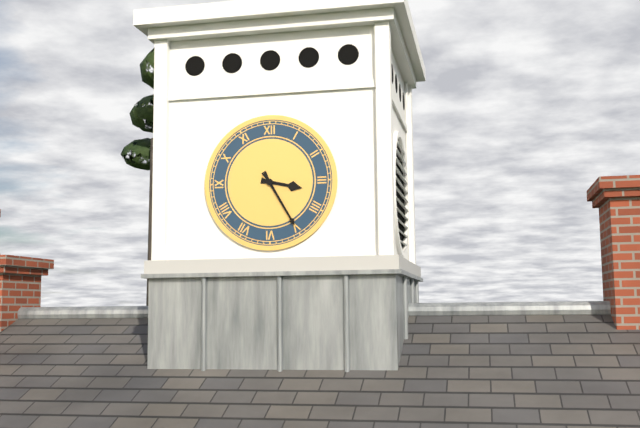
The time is h=3 m=25
